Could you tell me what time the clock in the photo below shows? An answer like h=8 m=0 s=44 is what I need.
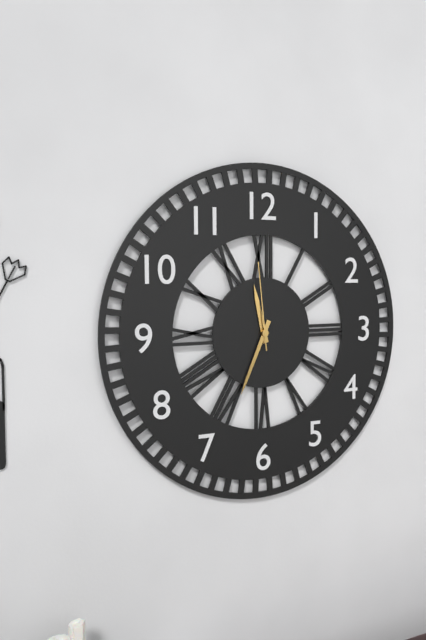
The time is h=11 m=34 s=59
